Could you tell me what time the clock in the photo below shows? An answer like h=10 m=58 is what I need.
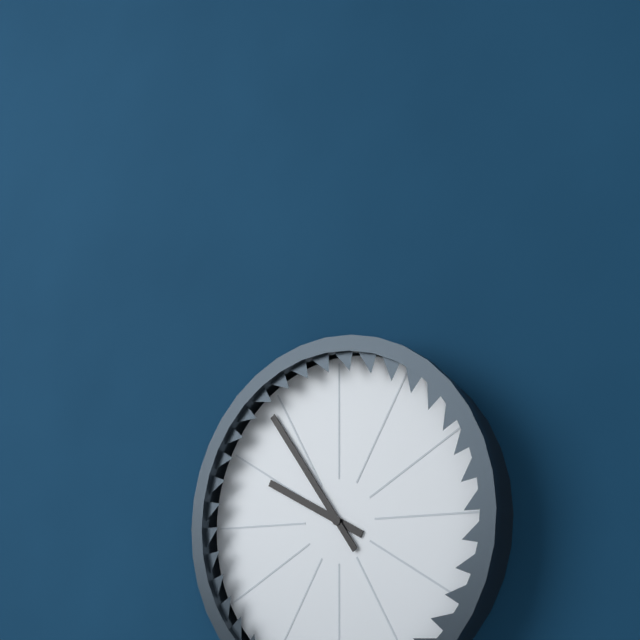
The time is h=9 m=54
